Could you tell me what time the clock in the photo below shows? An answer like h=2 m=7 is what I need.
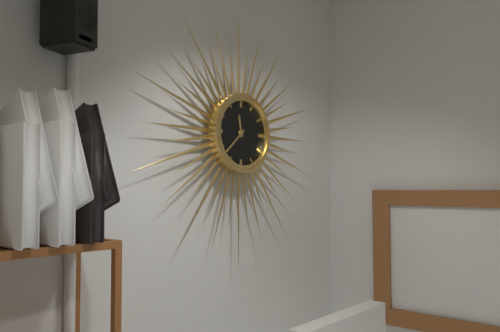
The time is h=11 m=38
